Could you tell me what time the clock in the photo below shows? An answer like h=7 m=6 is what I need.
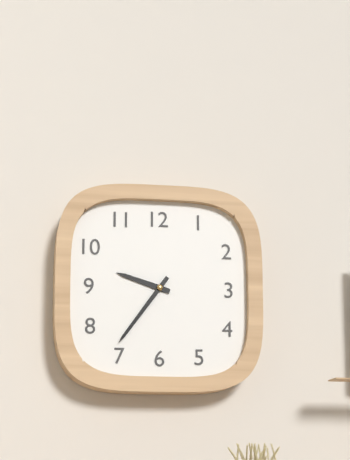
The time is h=9 m=36
